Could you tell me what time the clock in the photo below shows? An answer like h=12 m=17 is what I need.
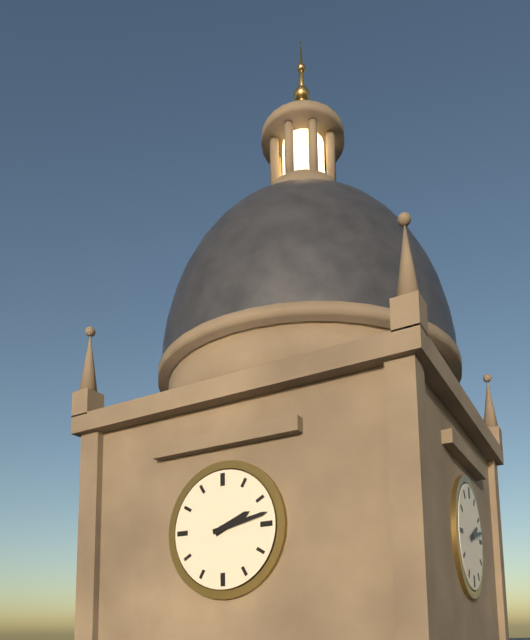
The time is h=2 m=13
